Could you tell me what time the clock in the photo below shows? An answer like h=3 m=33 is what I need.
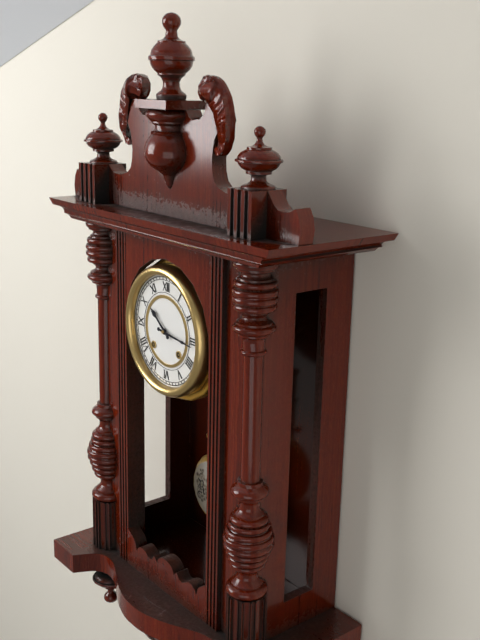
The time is h=10 m=16
